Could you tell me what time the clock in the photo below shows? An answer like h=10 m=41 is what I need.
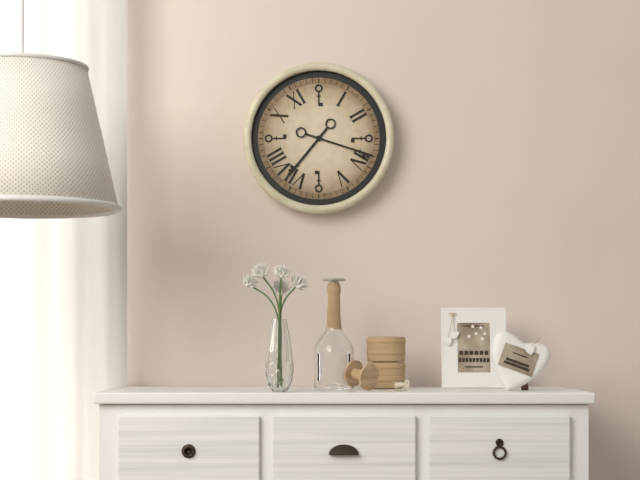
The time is h=7 m=18
